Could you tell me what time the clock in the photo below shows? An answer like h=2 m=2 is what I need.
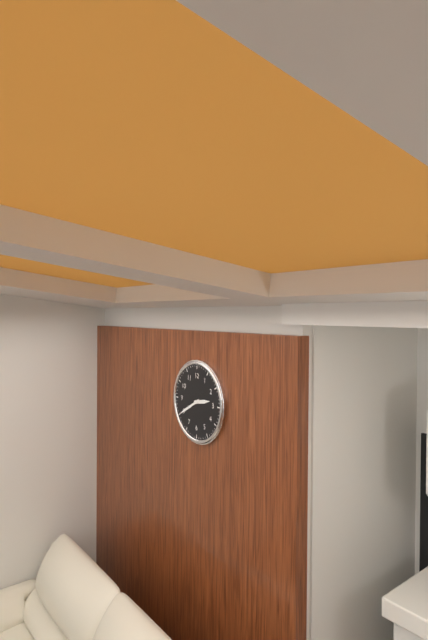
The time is h=2 m=40
